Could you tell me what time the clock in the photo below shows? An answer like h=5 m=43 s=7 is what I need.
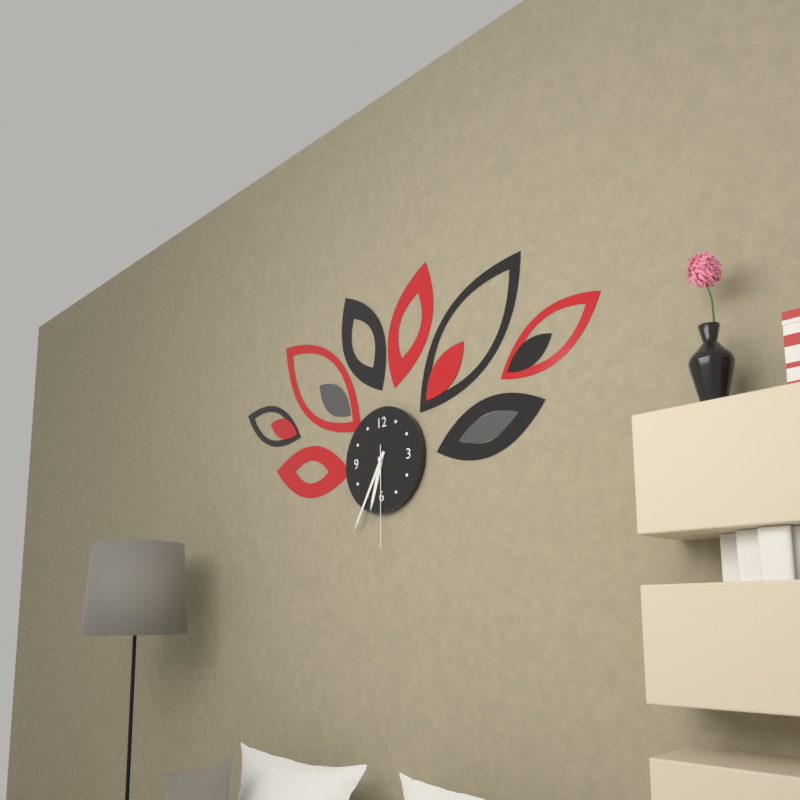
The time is h=6 m=35 s=30
